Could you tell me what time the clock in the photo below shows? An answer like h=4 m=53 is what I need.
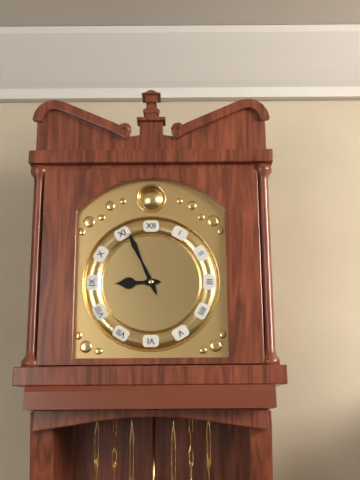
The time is h=8 m=56
